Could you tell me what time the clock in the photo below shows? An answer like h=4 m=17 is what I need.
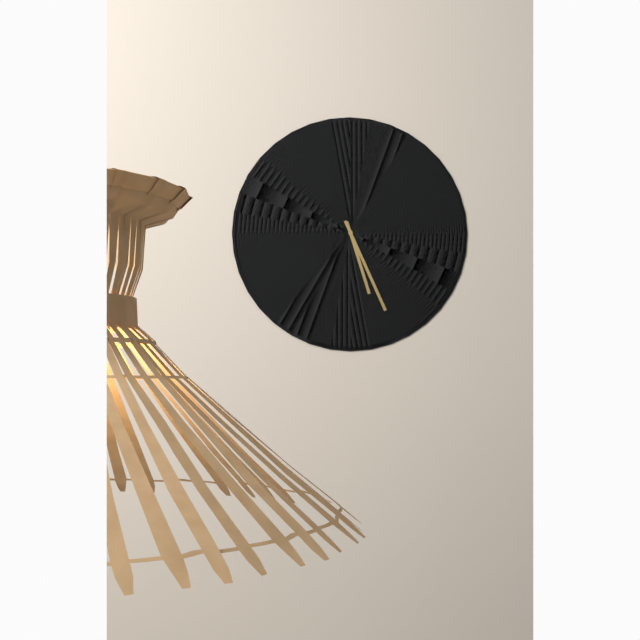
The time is h=5 m=26
